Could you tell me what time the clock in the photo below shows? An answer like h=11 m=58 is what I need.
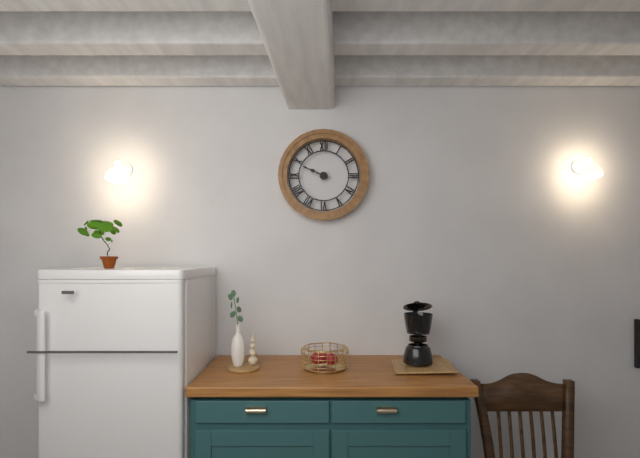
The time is h=9 m=49
